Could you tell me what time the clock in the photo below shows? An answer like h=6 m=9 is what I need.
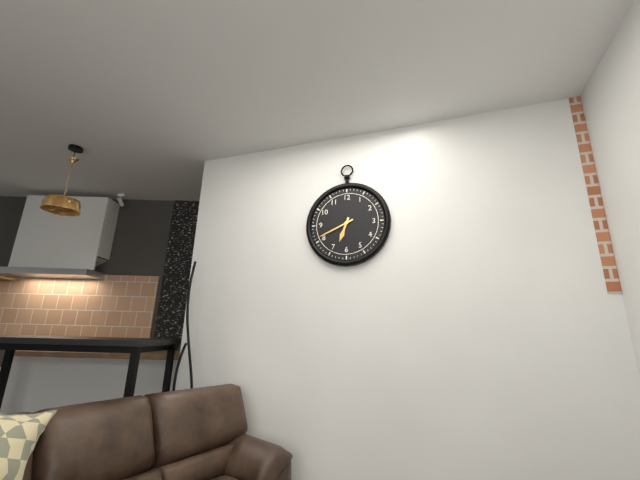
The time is h=6 m=41
